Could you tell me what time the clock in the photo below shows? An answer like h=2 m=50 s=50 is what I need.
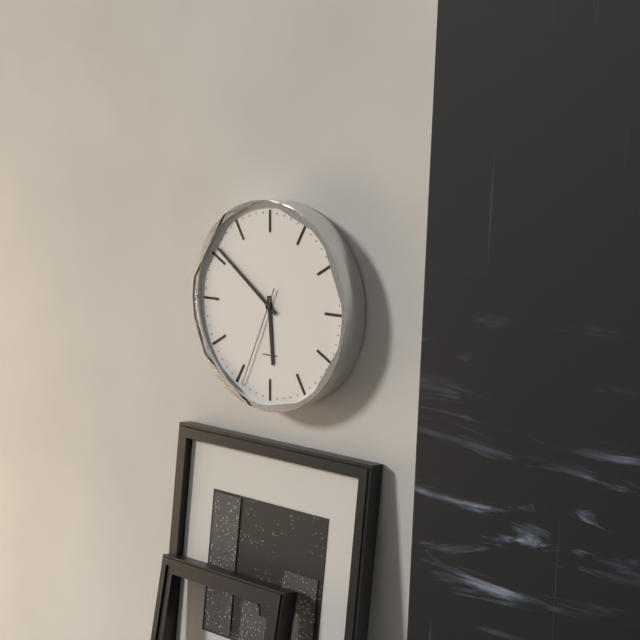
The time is h=5 m=51 s=34
